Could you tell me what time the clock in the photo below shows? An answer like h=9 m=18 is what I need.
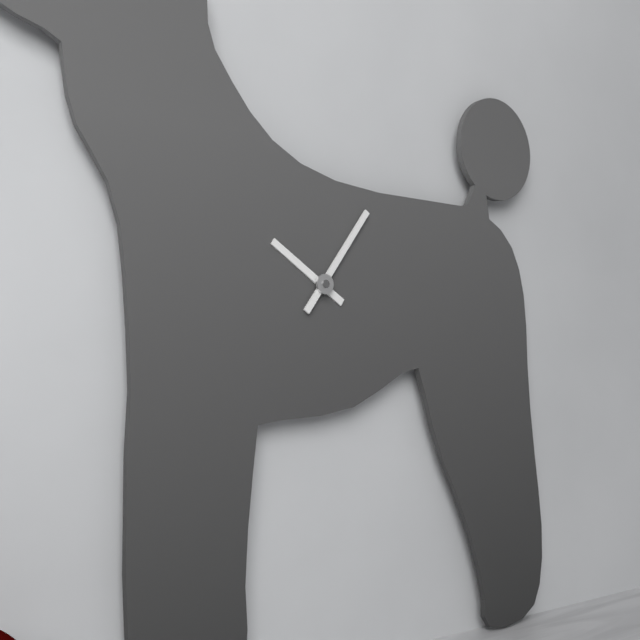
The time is h=10 m=6
